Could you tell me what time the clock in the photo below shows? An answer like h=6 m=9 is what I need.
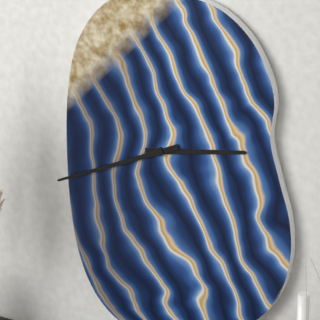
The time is h=2 m=41
